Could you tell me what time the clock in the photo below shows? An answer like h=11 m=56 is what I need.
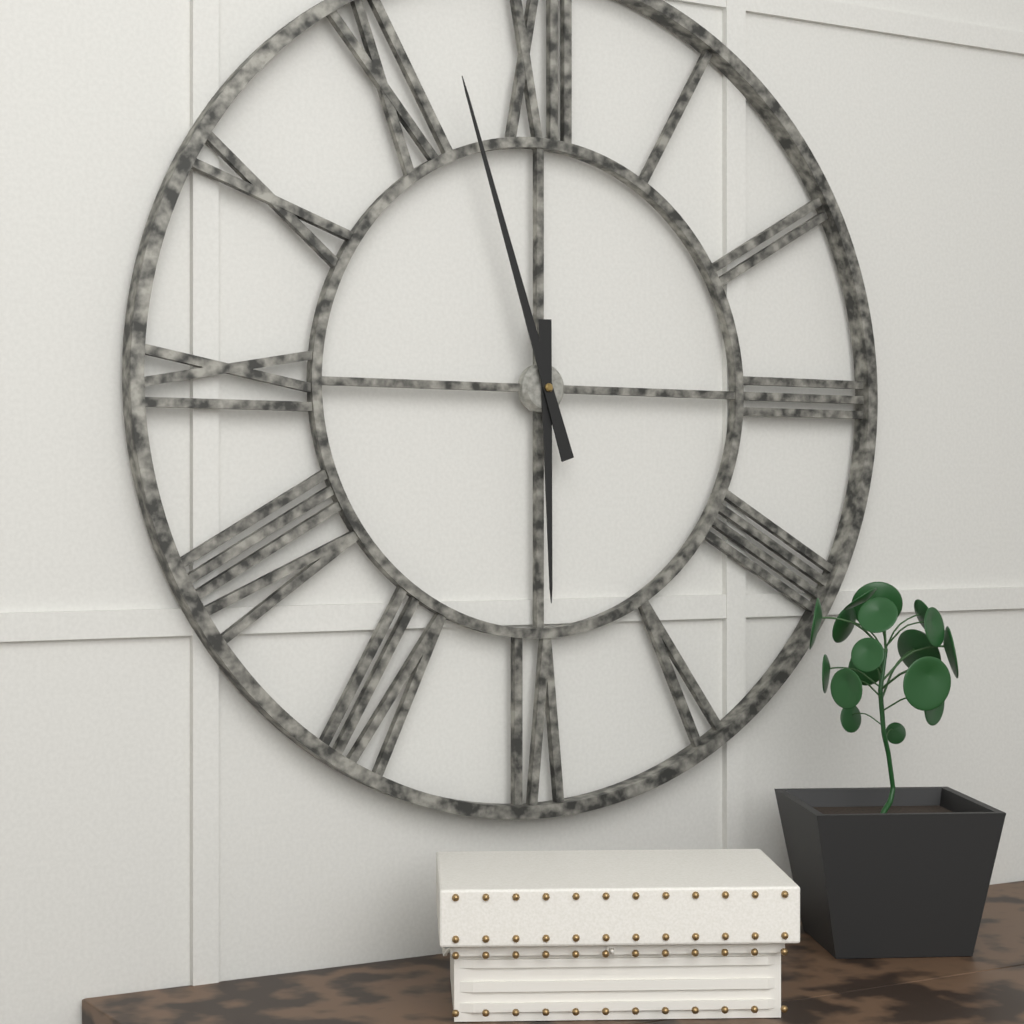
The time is h=5 m=57
